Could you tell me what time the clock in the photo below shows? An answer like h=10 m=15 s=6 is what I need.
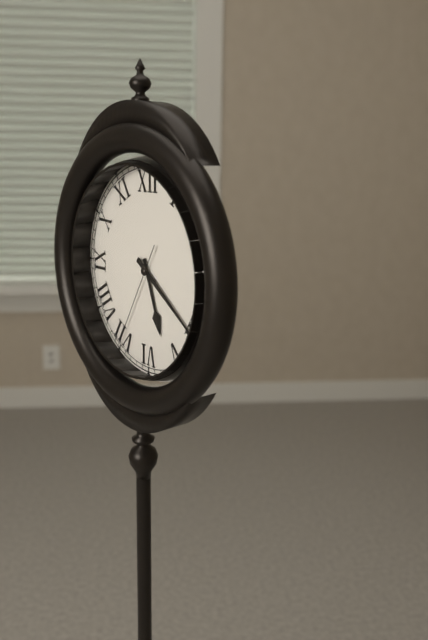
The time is h=5 m=21 s=35
